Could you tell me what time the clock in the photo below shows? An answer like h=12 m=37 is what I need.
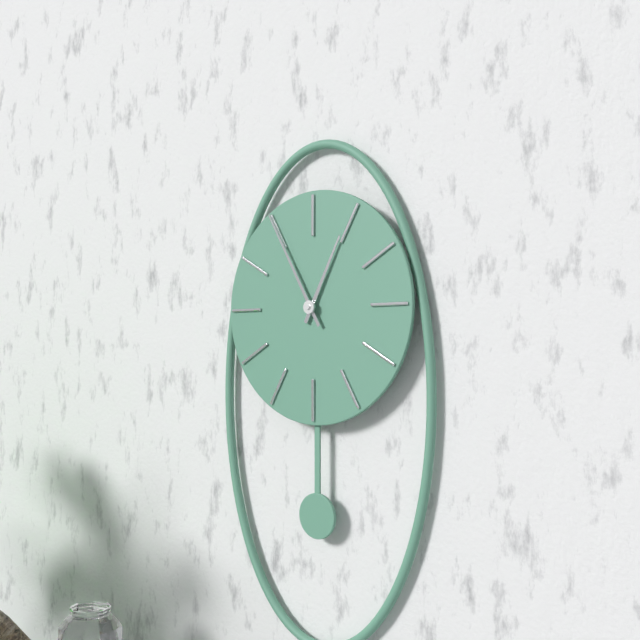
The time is h=12 m=55
